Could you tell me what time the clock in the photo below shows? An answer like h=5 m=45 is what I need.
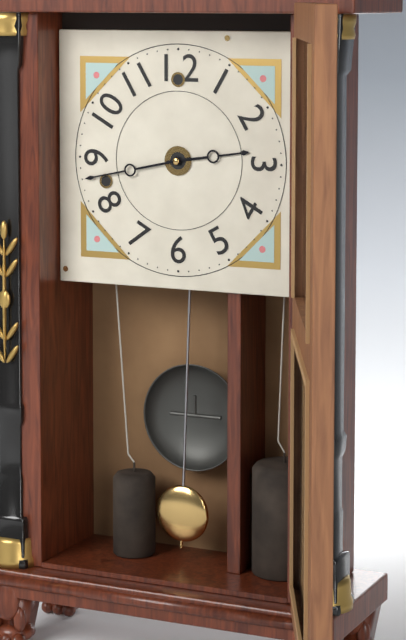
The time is h=2 m=43
